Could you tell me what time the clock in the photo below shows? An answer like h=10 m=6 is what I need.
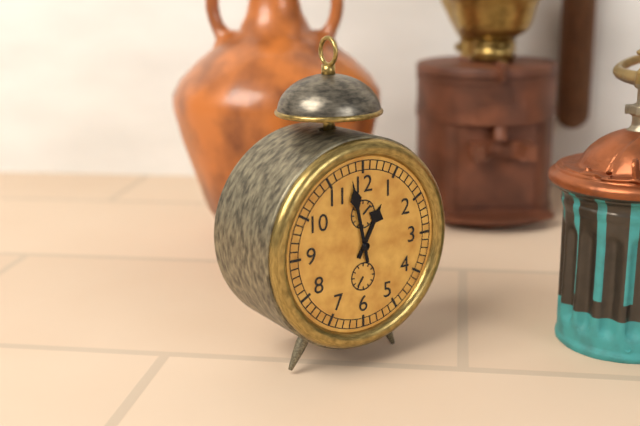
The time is h=12 m=58
